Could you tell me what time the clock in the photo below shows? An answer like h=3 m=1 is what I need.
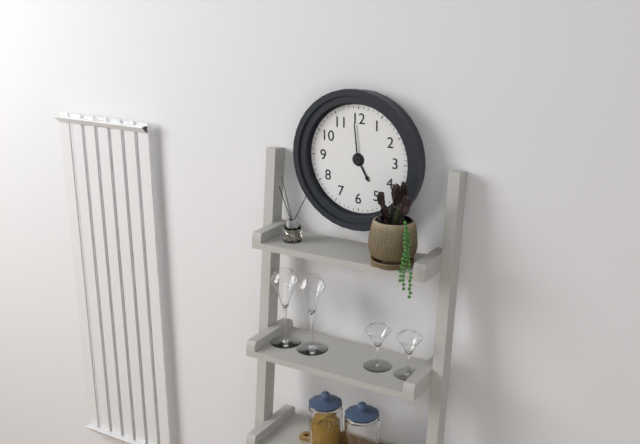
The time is h=4 m=59
